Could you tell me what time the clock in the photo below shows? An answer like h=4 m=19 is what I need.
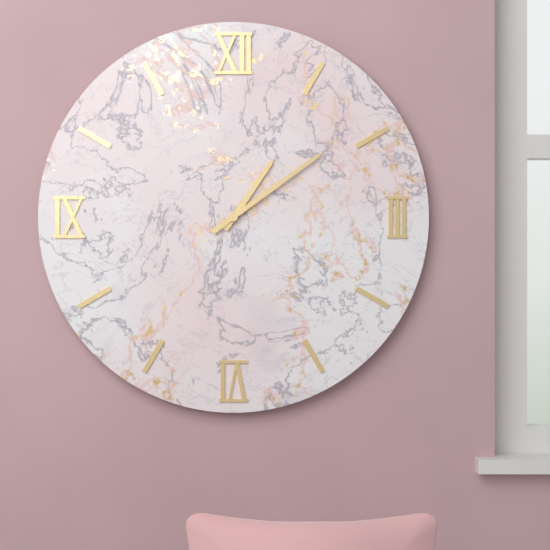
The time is h=1 m=9
